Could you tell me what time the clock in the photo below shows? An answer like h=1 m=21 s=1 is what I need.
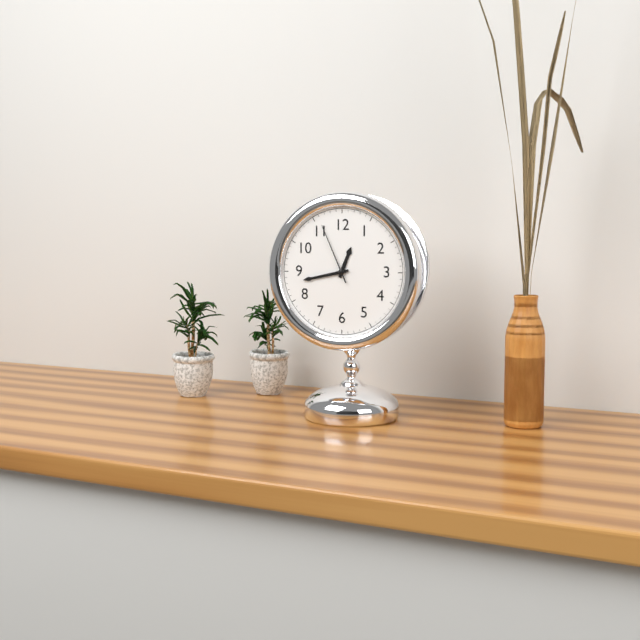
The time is h=12 m=43 s=56
